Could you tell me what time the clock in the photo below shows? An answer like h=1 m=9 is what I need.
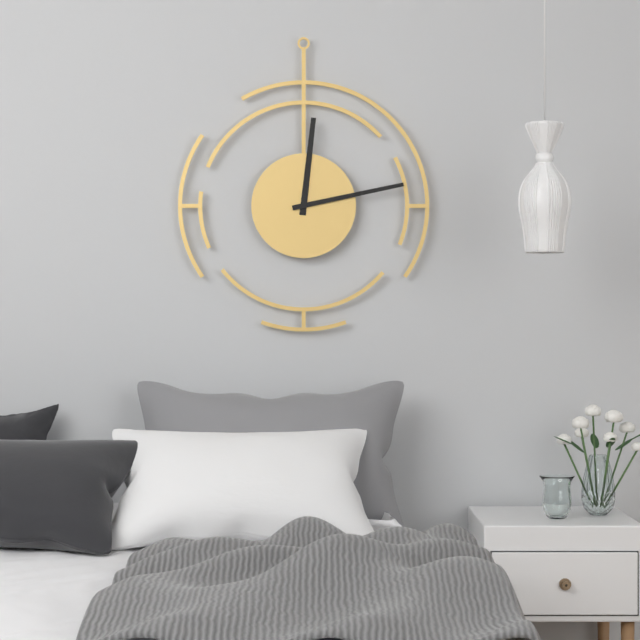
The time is h=12 m=13
